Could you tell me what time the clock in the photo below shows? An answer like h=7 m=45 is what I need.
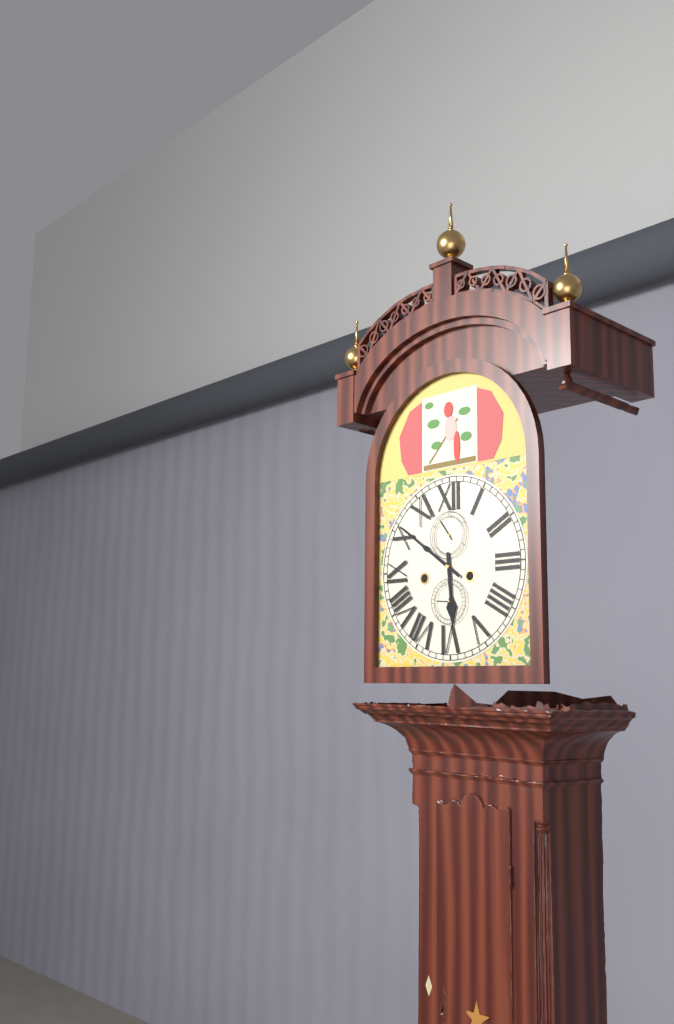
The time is h=5 m=51
